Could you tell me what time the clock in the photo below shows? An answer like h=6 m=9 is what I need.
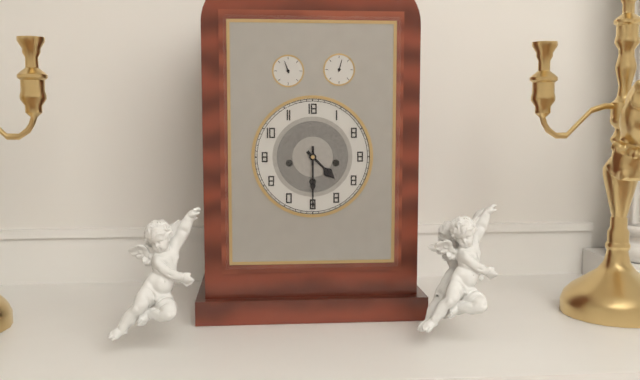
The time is h=4 m=30
